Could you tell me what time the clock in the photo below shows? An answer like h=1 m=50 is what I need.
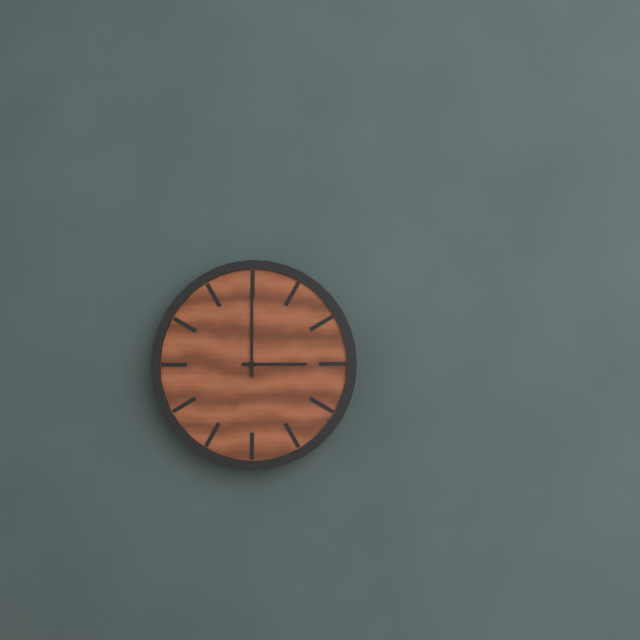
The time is h=3 m=0
